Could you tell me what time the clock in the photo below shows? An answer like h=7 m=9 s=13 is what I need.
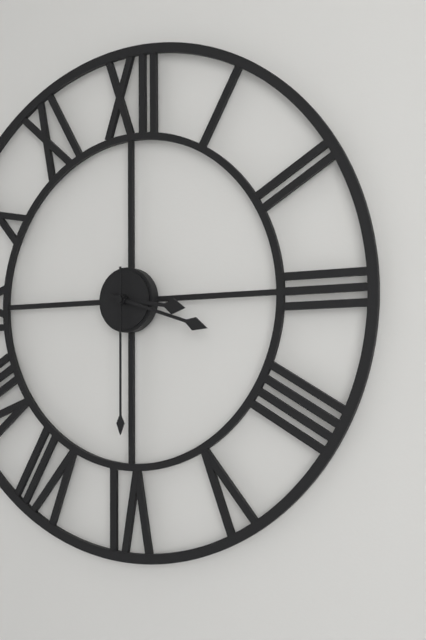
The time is h=3 m=18 s=30
